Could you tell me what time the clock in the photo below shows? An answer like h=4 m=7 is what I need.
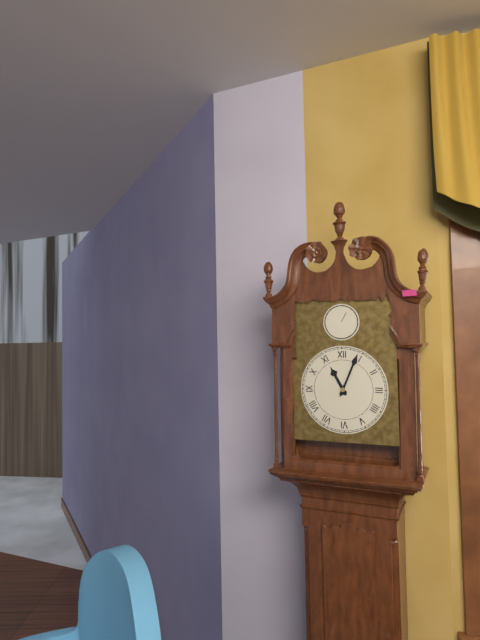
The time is h=11 m=4
